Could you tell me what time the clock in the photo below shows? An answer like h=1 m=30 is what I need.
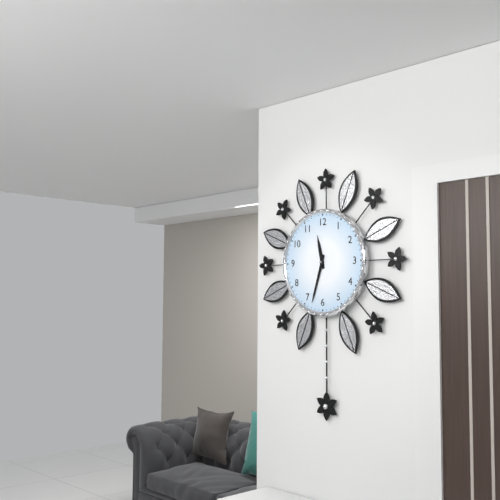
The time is h=11 m=33
